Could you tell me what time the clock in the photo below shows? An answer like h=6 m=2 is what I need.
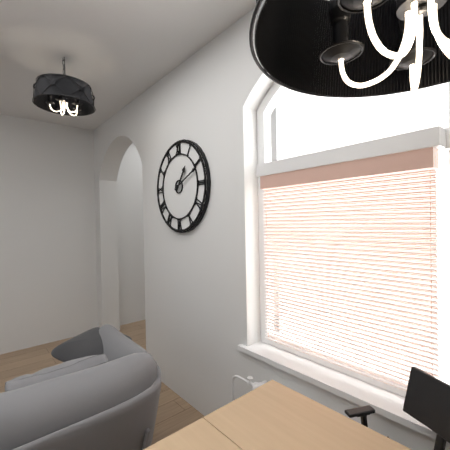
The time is h=1 m=11
